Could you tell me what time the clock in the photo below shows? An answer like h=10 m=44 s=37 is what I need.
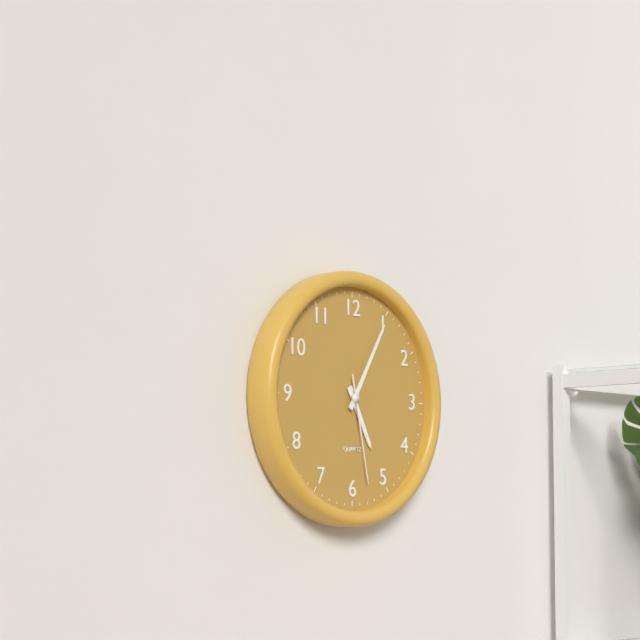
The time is h=5 m=5 s=28
